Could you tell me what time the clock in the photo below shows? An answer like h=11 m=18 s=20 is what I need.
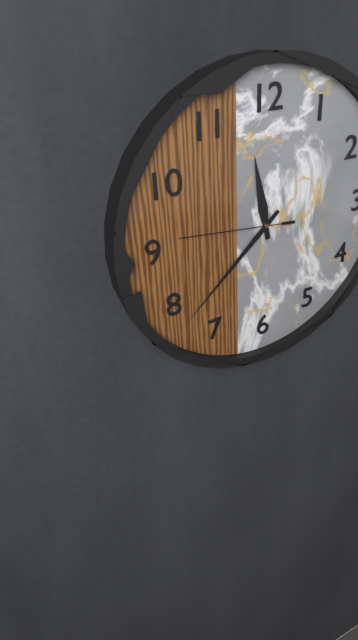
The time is h=11 m=38 s=46
